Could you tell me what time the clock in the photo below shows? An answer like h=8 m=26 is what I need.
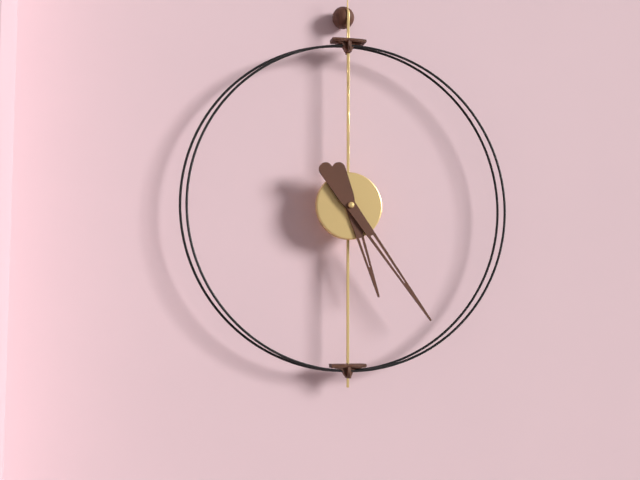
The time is h=5 m=24
